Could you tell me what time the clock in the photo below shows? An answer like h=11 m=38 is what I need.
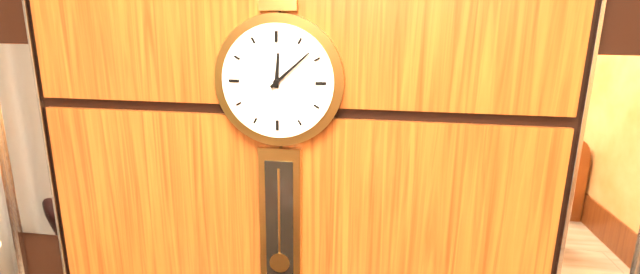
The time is h=12 m=8
